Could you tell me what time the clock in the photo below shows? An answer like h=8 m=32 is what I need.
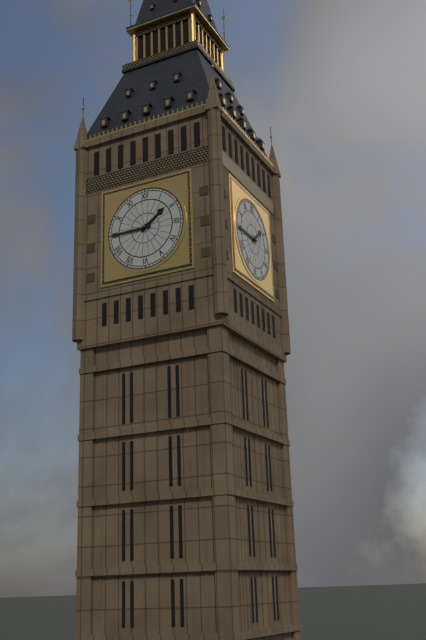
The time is h=1 m=45
